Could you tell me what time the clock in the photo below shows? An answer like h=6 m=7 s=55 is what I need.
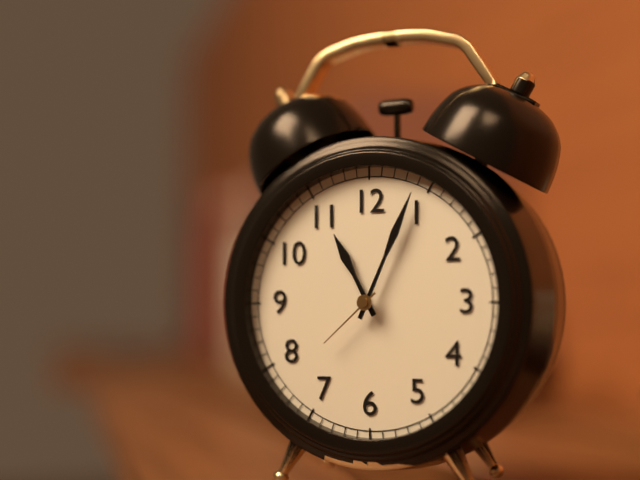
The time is h=11 m=4 s=38
